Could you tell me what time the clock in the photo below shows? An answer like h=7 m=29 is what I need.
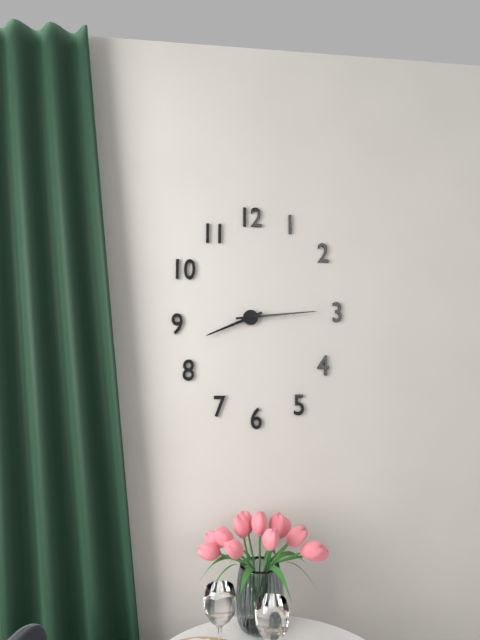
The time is h=8 m=14
